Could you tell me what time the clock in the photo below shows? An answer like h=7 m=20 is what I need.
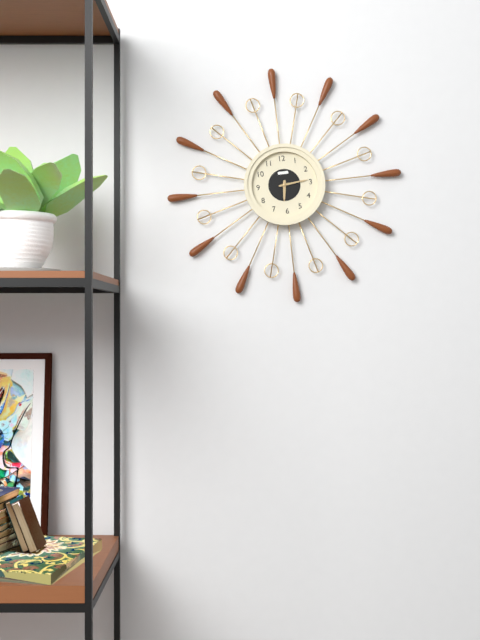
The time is h=6 m=14
